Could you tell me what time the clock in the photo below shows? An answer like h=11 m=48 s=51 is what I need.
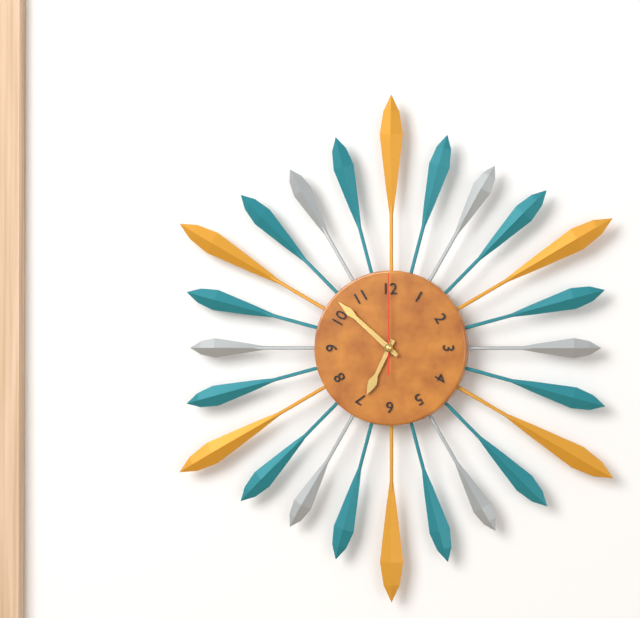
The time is h=6 m=52 s=0
